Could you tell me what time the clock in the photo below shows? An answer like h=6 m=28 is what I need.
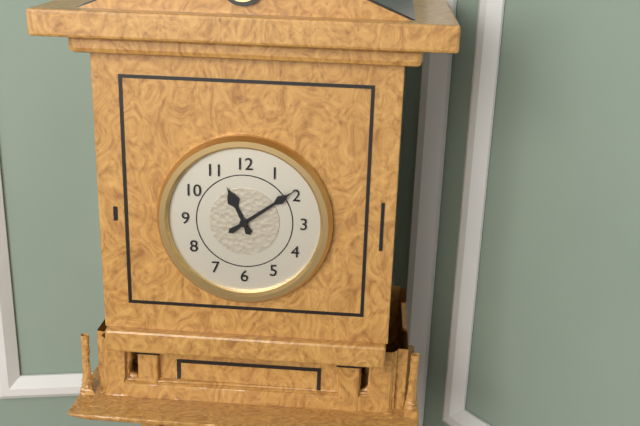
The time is h=11 m=9
